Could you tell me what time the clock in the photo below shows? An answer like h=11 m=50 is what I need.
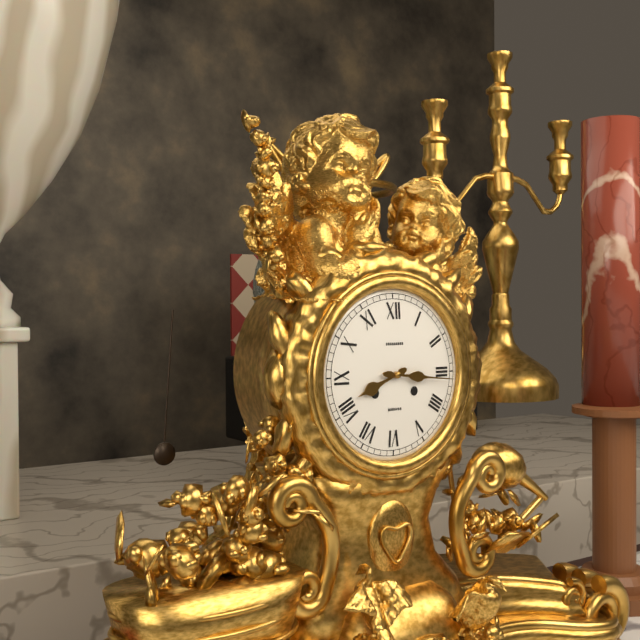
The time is h=8 m=16
